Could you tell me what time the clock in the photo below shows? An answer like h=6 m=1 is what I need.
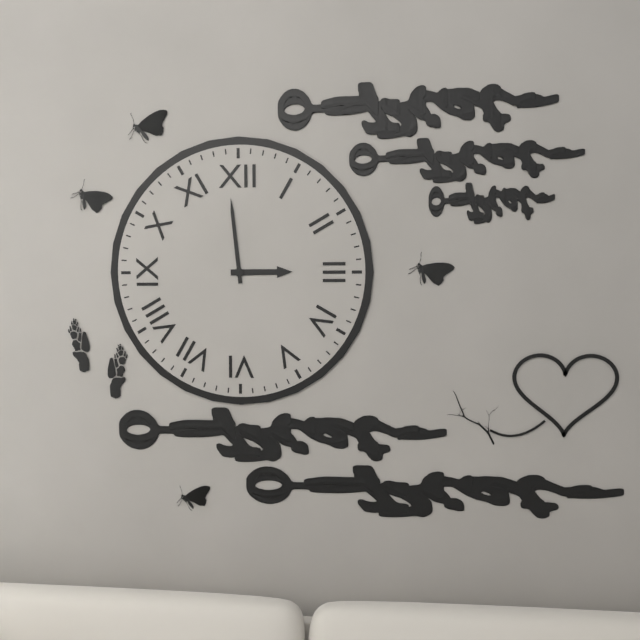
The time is h=2 m=59
